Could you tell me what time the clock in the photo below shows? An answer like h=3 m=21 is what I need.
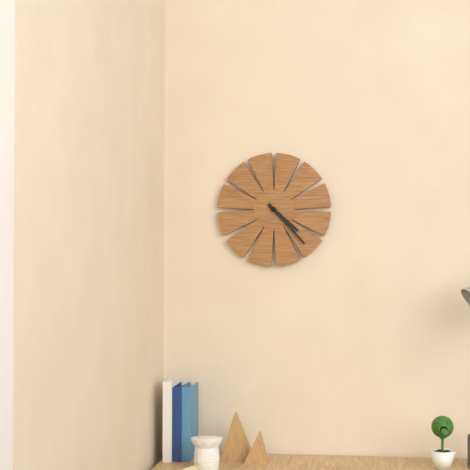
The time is h=4 m=23
